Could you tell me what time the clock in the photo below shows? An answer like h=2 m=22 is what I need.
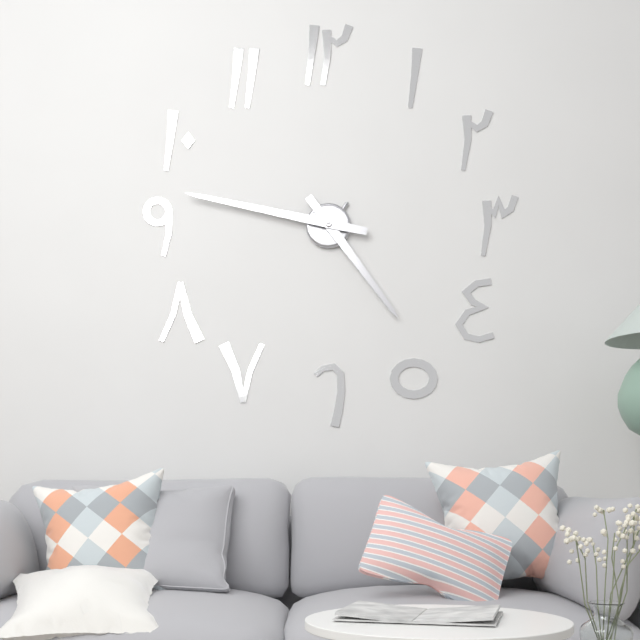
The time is h=4 m=47
